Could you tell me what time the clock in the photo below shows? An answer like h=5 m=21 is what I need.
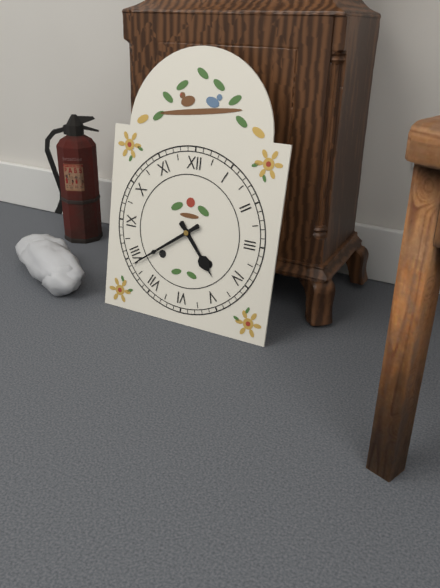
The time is h=4 m=39
